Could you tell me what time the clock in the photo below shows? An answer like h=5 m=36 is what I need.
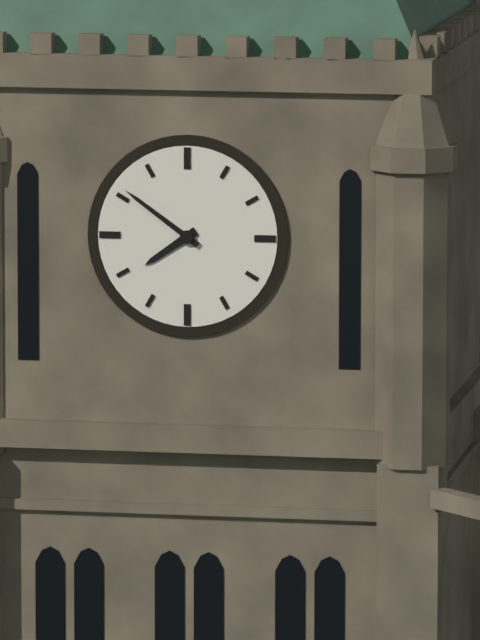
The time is h=7 m=51
